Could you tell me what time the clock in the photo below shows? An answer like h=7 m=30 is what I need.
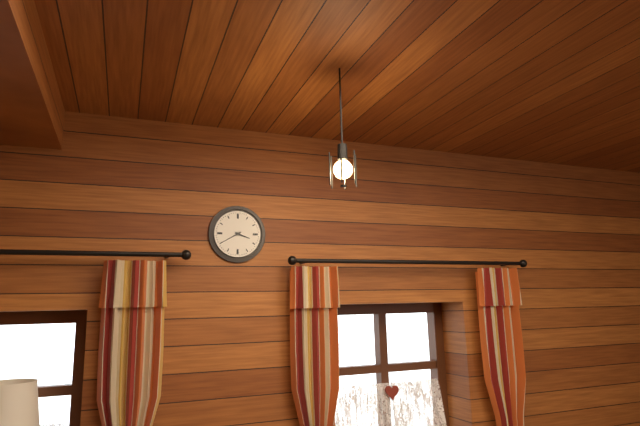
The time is h=3 m=40
